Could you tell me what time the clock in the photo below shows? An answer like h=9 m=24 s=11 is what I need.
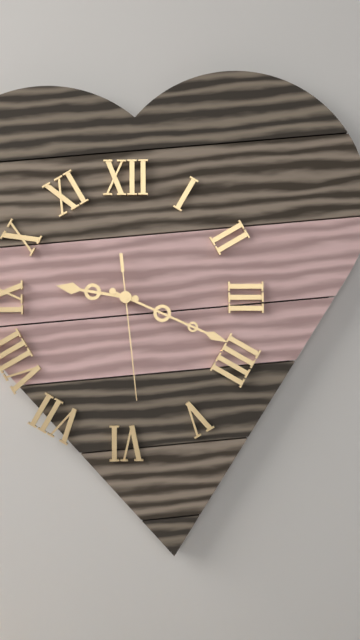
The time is h=9 m=19 s=29
